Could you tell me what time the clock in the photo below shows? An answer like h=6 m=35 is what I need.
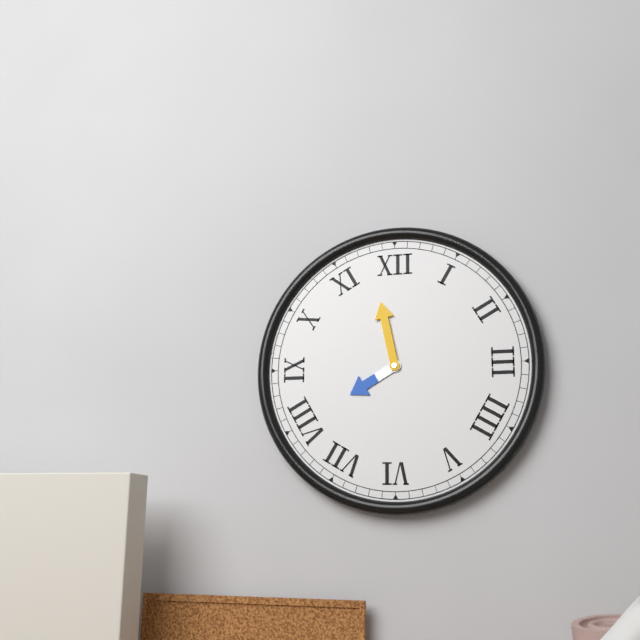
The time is h=7 m=58
